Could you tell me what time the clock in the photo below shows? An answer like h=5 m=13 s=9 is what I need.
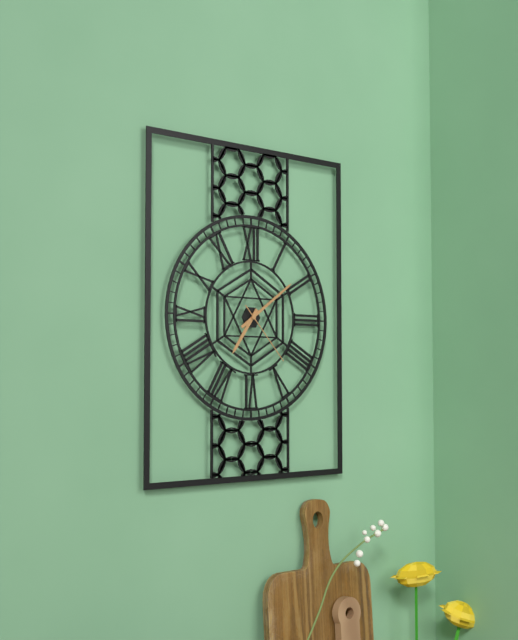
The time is h=7 m=9 s=23
